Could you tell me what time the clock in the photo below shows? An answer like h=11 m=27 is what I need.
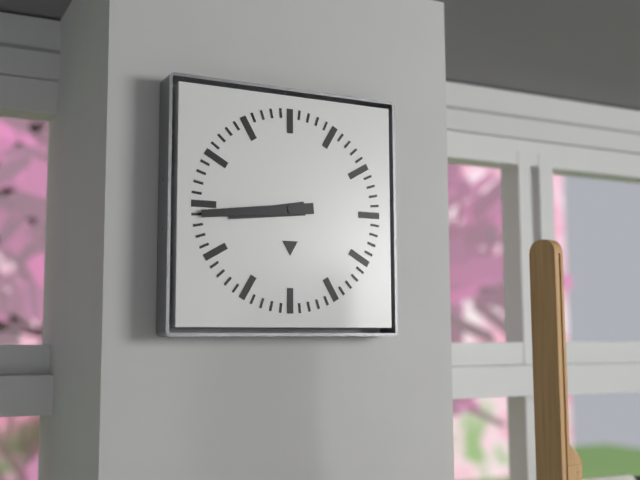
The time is h=8 m=44
